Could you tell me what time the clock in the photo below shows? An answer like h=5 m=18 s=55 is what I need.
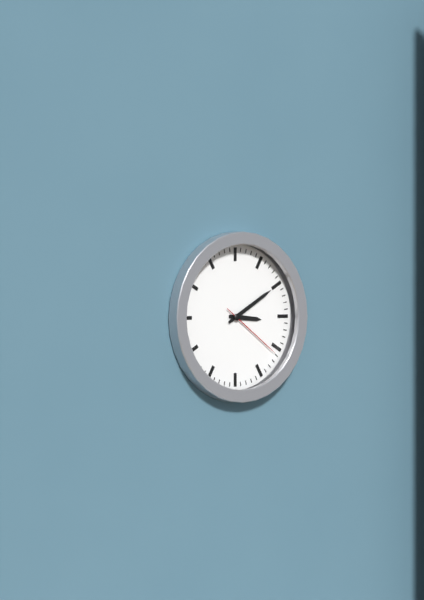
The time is h=3 m=10 s=21
